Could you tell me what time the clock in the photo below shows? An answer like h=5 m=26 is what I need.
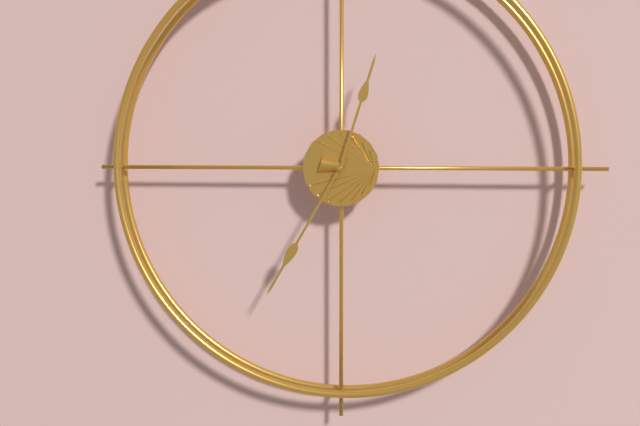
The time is h=12 m=35
